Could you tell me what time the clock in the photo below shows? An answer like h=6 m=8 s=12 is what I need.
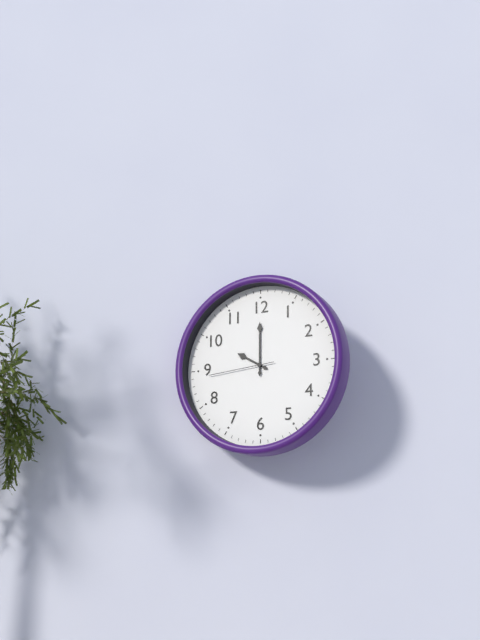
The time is h=10 m=0 s=44
